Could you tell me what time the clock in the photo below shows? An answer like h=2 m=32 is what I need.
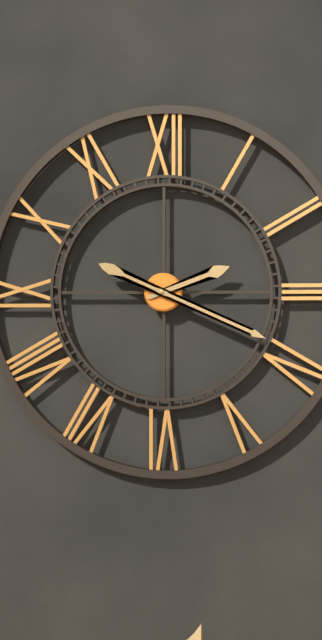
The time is h=2 m=19
